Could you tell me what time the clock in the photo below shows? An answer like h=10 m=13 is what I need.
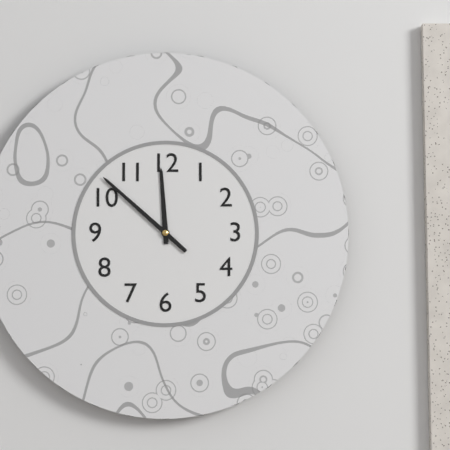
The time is h=11 m=52
